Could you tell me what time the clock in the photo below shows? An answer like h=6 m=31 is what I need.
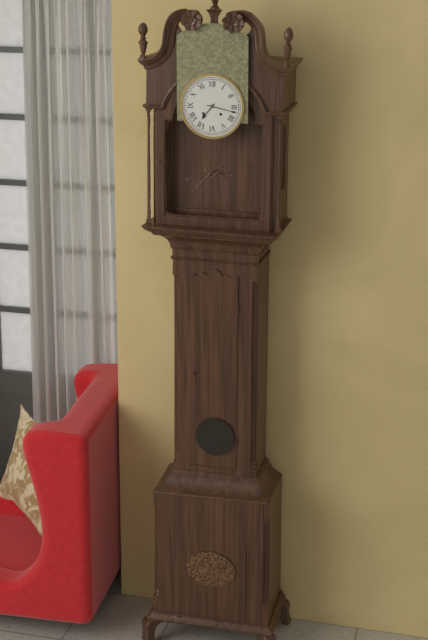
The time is h=7 m=17
